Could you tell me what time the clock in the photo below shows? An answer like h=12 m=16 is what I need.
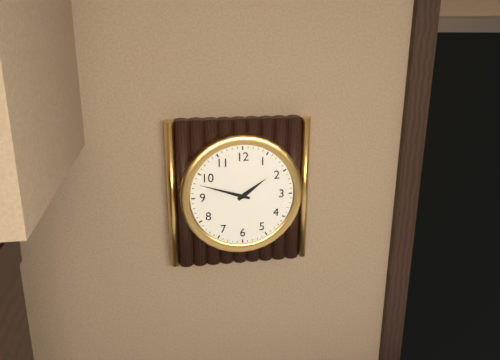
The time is h=1 m=48
